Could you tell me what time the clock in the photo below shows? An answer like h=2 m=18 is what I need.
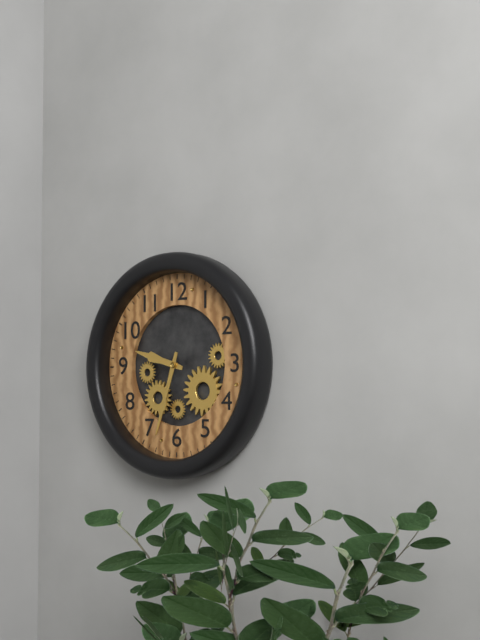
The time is h=9 m=33
